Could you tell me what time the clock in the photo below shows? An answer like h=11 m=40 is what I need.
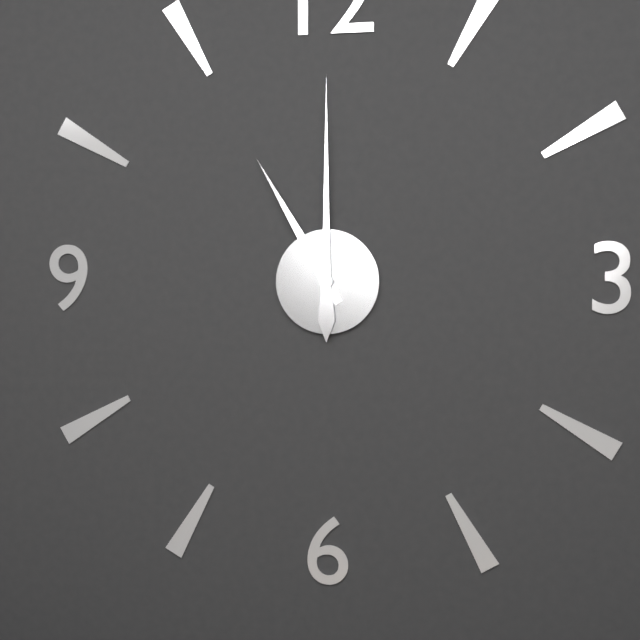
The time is h=11 m=0
